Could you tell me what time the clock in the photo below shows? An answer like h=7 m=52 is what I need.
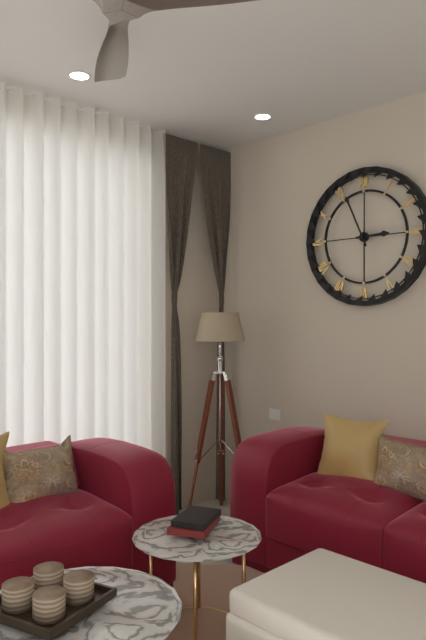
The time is h=2 m=56
